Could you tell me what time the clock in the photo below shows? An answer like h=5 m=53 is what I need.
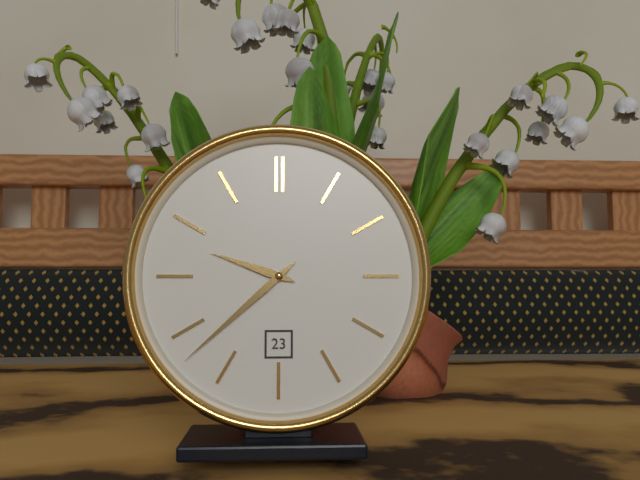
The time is h=9 m=38
